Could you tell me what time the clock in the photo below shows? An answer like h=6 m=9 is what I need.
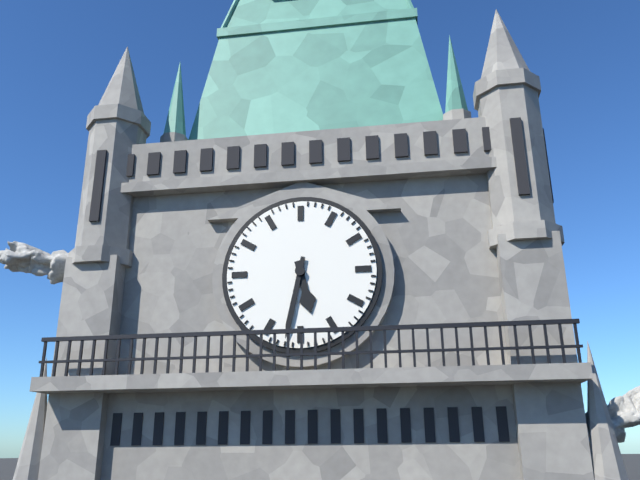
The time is h=5 m=32
